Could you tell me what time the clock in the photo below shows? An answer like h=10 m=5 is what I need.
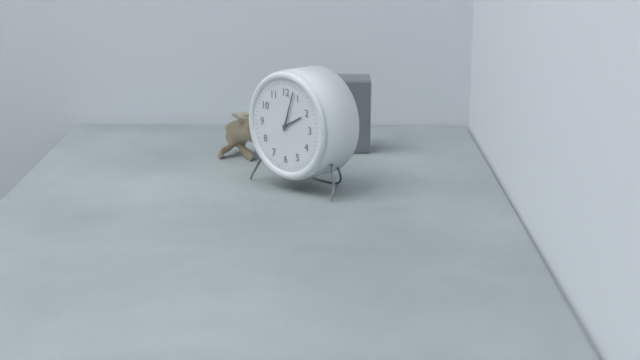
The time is h=2 m=3
